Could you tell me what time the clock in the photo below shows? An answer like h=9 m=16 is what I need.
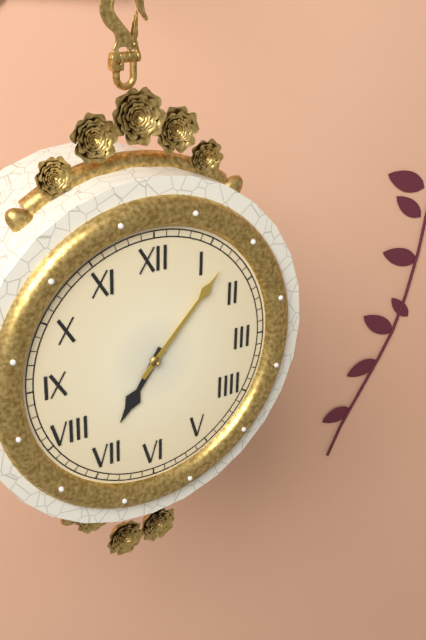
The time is h=7 m=7
